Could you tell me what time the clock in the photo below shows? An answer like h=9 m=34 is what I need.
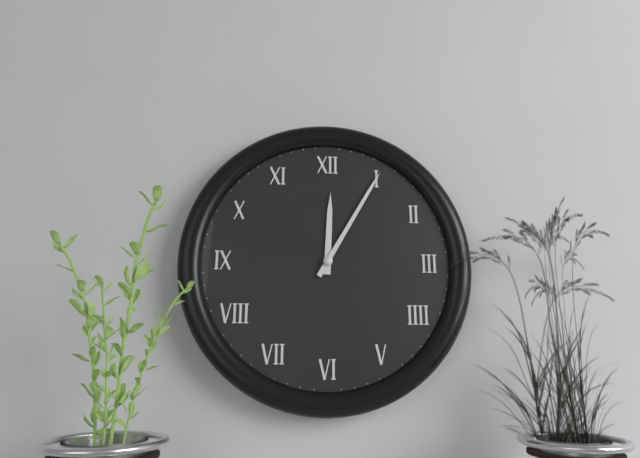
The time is h=12 m=5
